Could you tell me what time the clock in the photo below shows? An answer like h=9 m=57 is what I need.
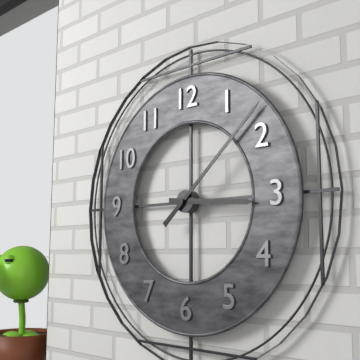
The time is h=3 m=8
